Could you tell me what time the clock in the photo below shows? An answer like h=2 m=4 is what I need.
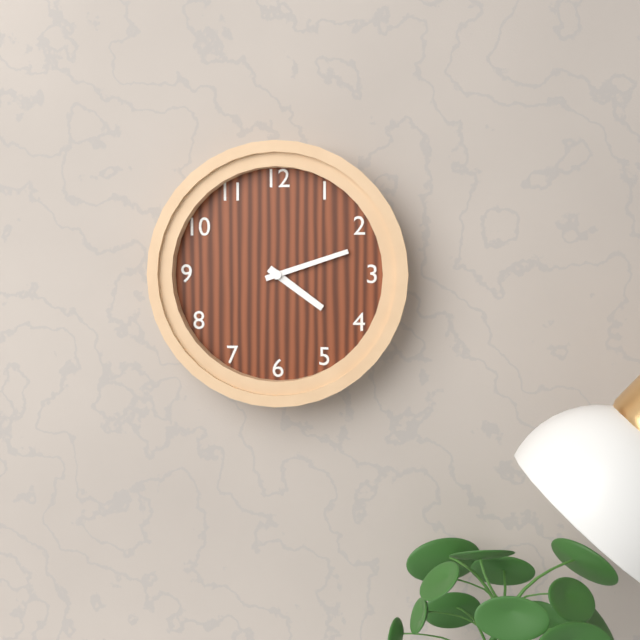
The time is h=4 m=12
